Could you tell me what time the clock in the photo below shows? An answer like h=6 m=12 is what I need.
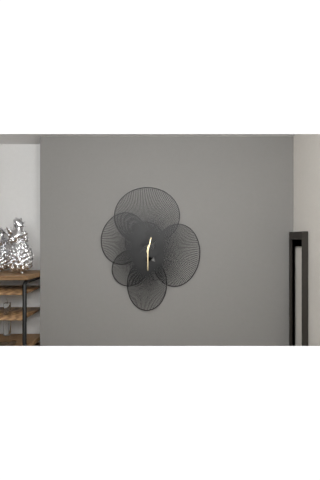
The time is h=12 m=30
